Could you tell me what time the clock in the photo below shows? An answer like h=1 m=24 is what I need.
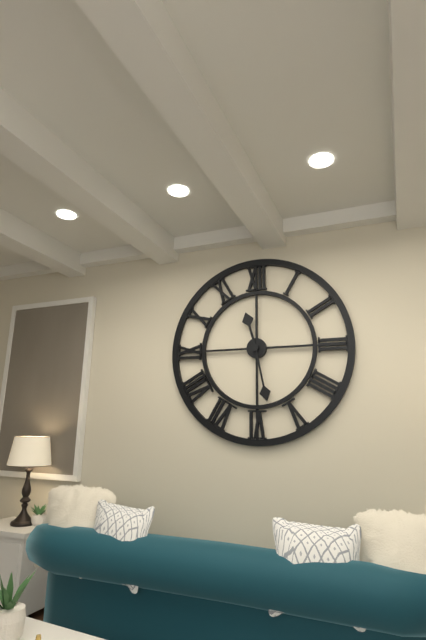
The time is h=11 m=28
